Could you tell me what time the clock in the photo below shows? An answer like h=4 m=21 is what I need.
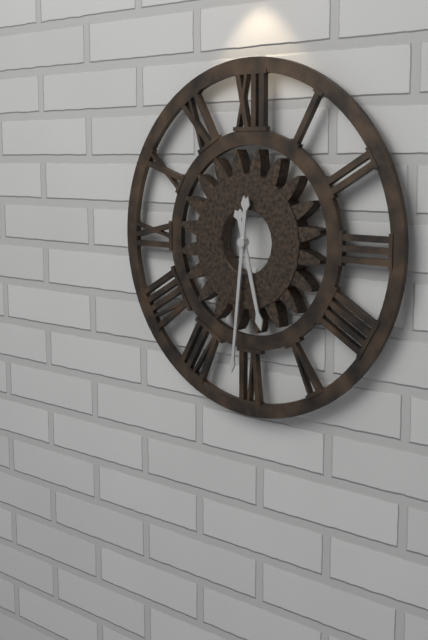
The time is h=5 m=31
